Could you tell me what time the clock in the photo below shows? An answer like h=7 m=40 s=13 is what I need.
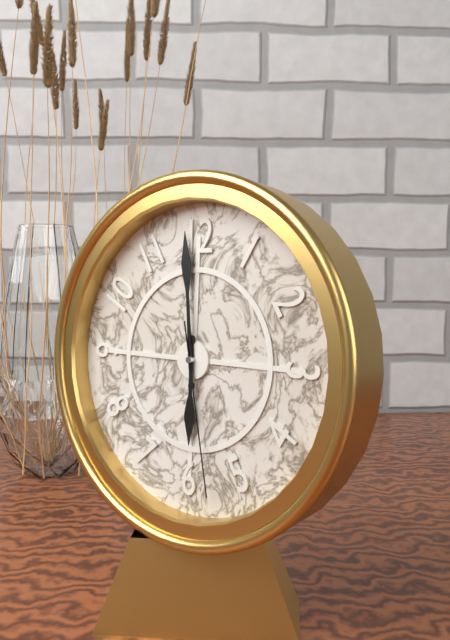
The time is h=5 m=59 s=28
